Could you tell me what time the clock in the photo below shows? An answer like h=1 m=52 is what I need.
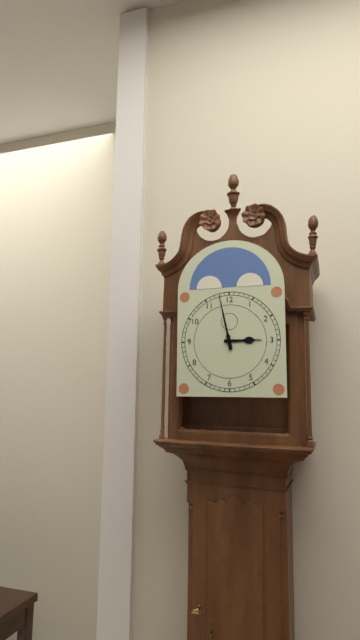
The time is h=2 m=58
